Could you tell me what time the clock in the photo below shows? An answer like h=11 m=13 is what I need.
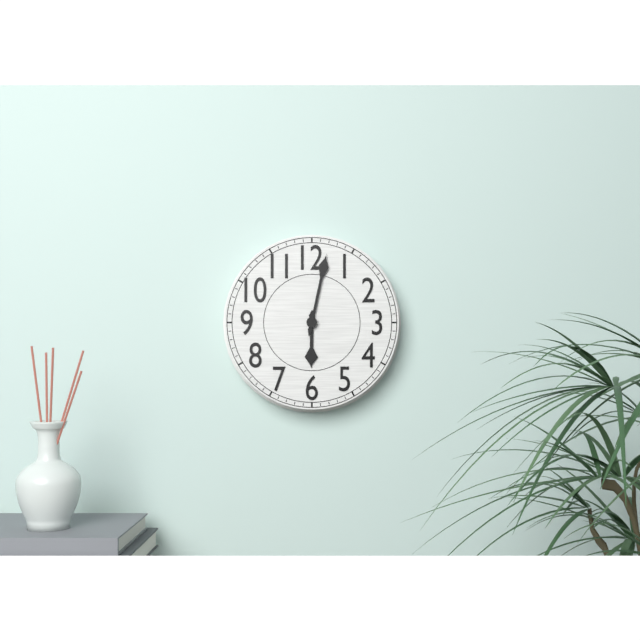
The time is h=6 m=2
